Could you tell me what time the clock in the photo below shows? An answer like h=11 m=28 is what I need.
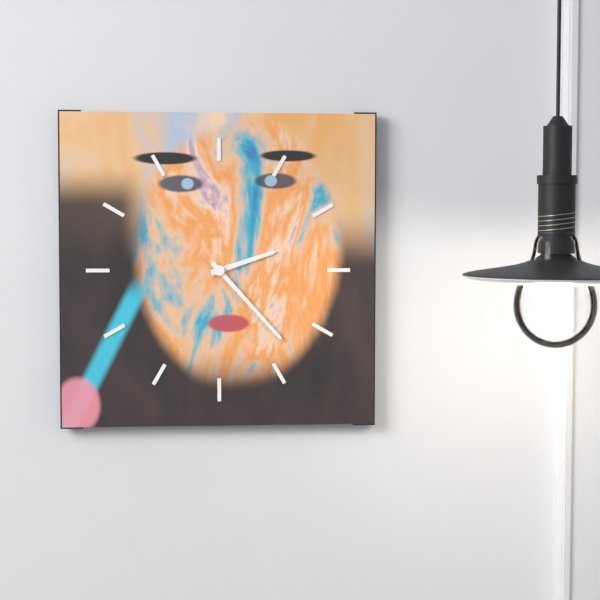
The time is h=2 m=23
